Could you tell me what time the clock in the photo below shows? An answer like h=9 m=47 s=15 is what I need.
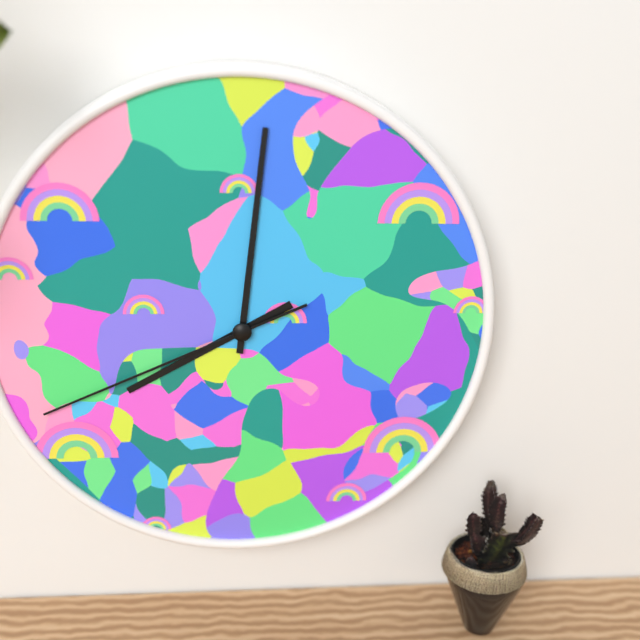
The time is h=8 m=1 s=41
